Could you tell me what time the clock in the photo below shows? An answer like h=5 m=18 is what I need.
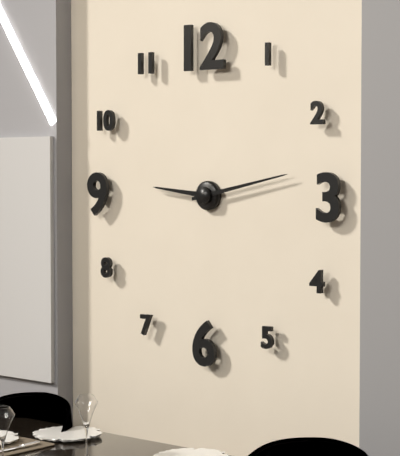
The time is h=9 m=13
